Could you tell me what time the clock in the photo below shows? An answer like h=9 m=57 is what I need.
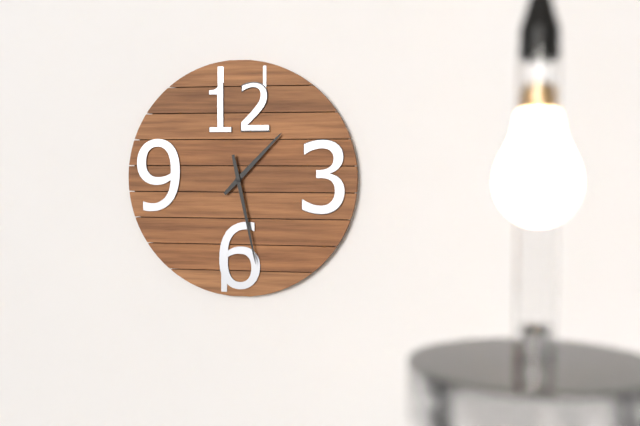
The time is h=1 m=28
